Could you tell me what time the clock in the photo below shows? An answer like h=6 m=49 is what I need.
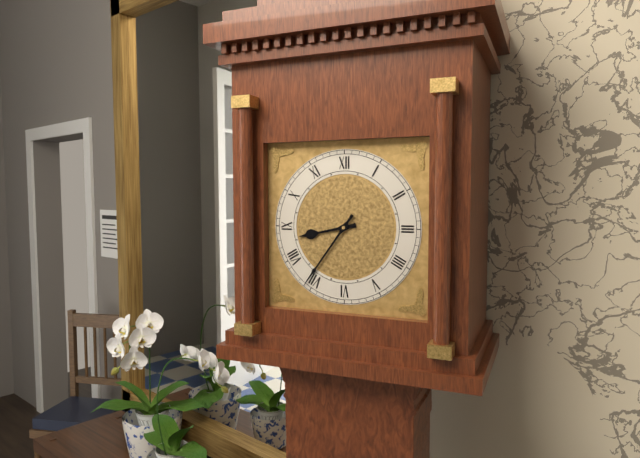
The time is h=8 m=36
